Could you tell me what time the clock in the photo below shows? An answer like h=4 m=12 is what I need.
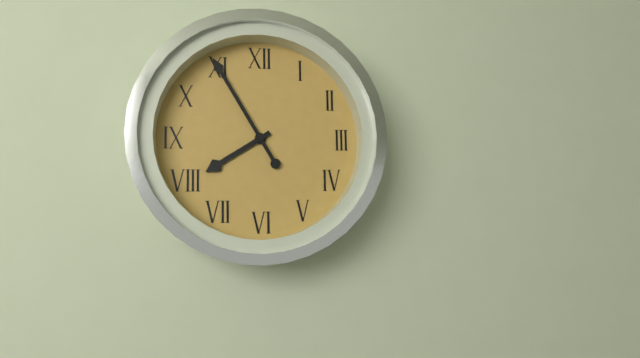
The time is h=7 m=55
